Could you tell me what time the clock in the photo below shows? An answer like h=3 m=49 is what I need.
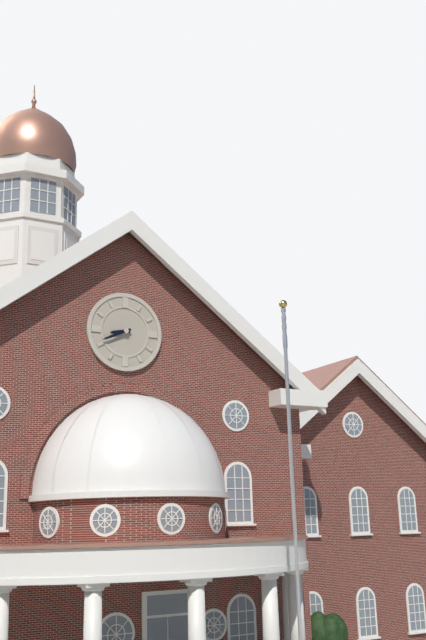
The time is h=8 m=41
